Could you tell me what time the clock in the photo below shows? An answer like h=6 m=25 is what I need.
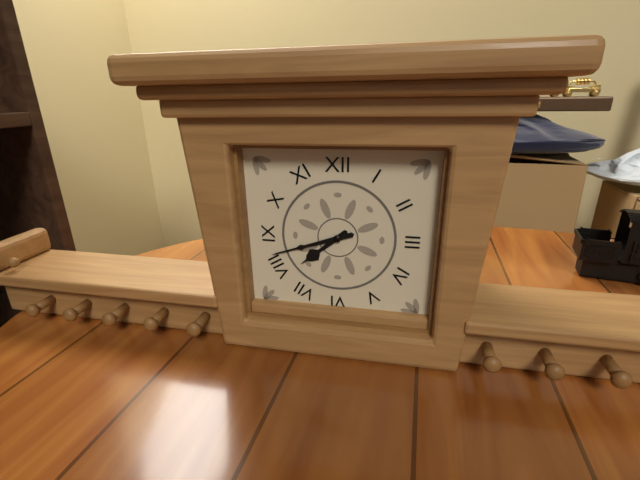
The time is h=7 m=42
